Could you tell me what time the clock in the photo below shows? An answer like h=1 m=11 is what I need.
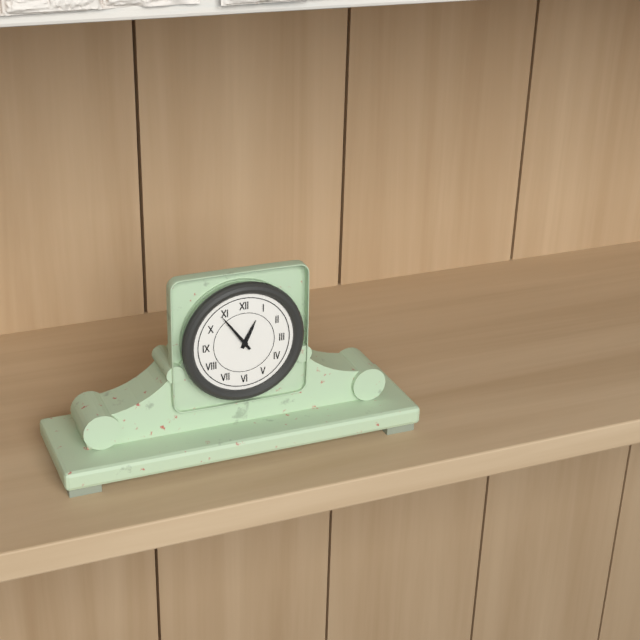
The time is h=12 m=54
